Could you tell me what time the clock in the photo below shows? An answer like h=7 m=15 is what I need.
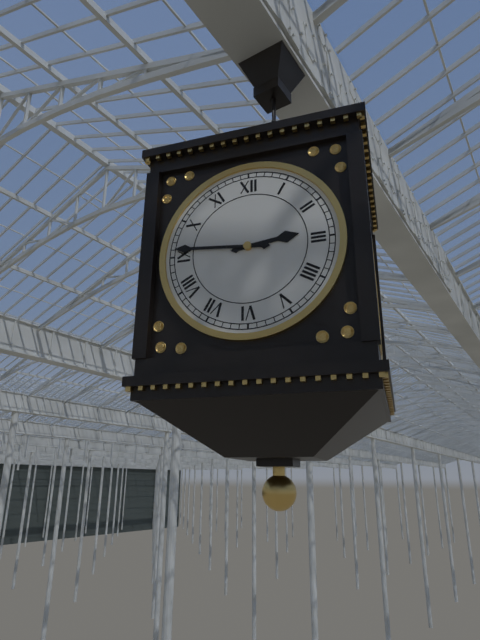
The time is h=2 m=46
